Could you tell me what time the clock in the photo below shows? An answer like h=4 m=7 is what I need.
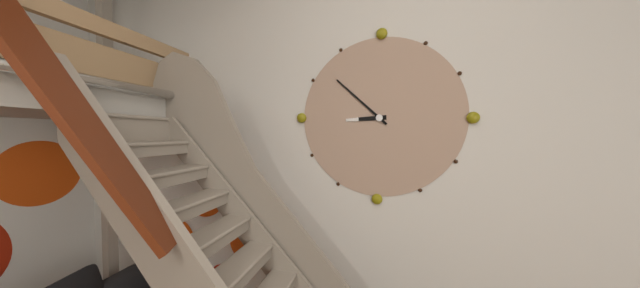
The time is h=8 m=52
